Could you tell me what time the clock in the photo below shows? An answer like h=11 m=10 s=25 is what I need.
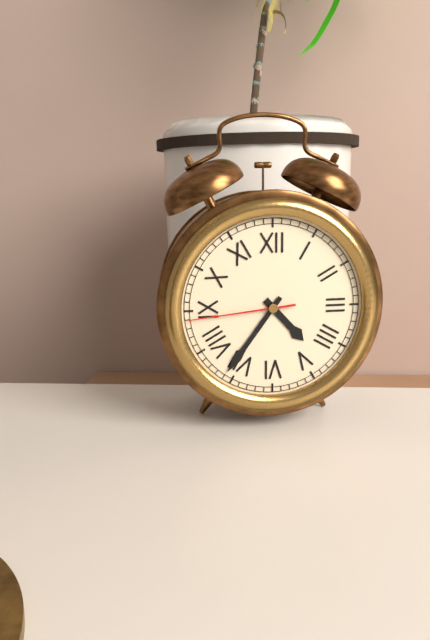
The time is h=4 m=36 s=44
